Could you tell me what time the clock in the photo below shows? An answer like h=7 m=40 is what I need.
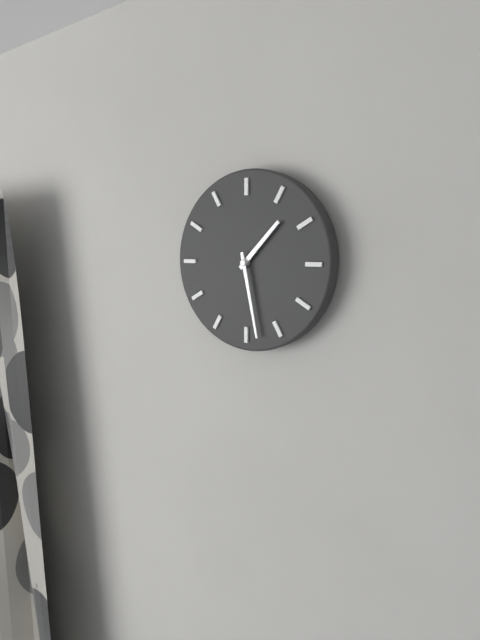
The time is h=1 m=28
